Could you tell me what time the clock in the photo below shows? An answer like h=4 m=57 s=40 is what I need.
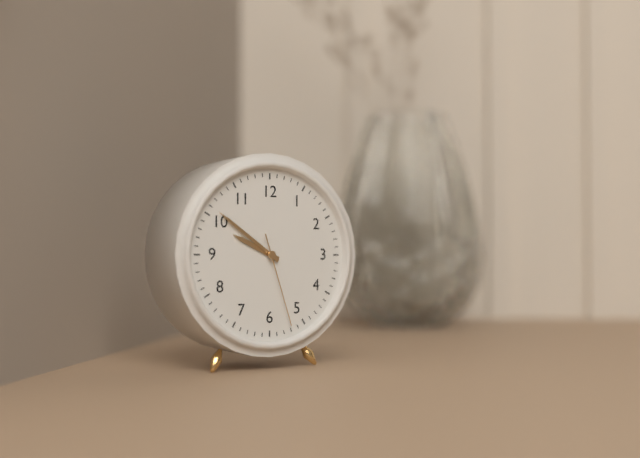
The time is h=9 m=51 s=27
